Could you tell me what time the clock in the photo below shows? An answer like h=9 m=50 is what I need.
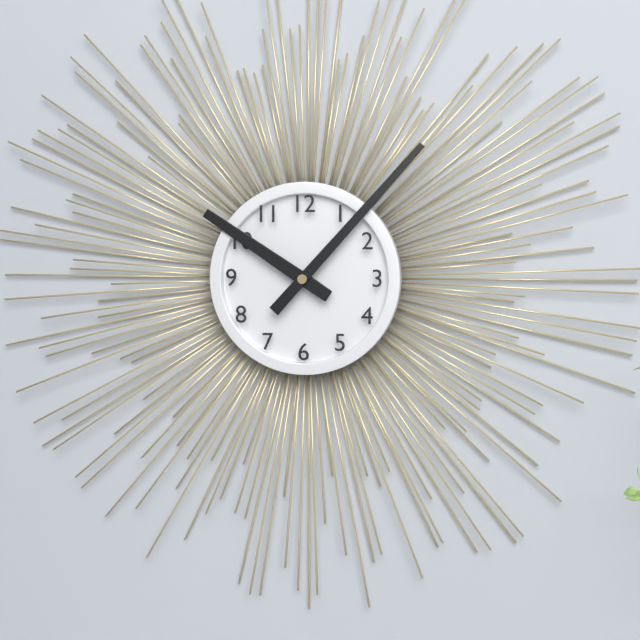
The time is h=10 m=7
